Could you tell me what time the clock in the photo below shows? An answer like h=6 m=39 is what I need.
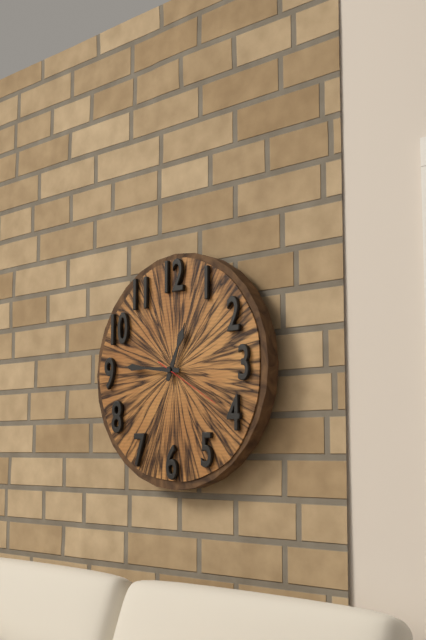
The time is h=12 m=46
